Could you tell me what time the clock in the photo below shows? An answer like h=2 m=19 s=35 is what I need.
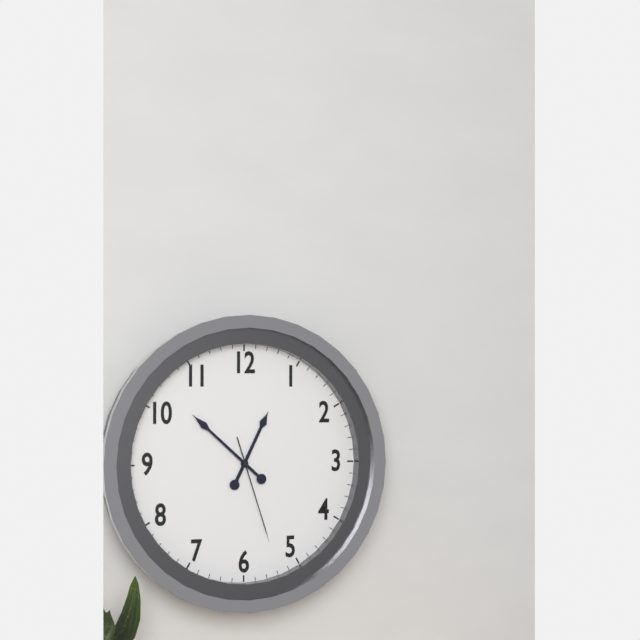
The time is h=12 m=52 s=27
